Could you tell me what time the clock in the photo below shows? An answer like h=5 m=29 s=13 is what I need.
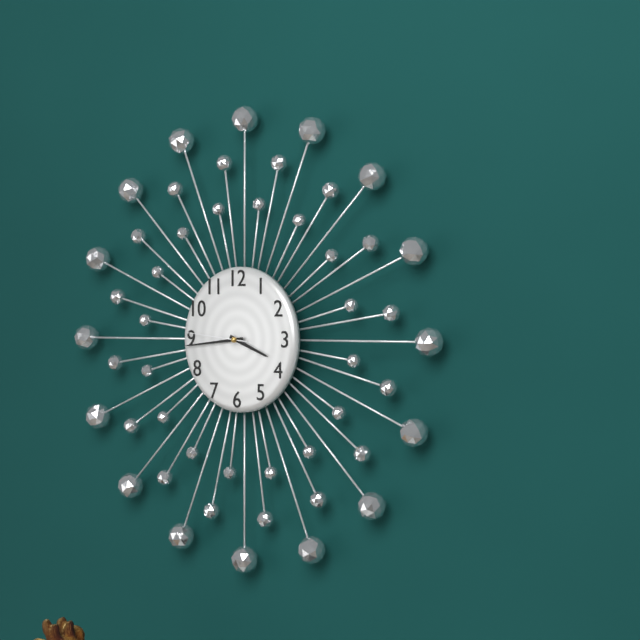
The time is h=3 m=44 s=46
